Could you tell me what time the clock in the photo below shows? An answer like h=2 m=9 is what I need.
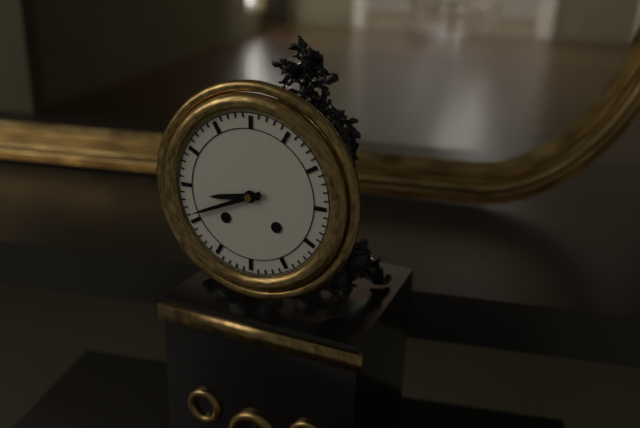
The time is h=8 m=41
